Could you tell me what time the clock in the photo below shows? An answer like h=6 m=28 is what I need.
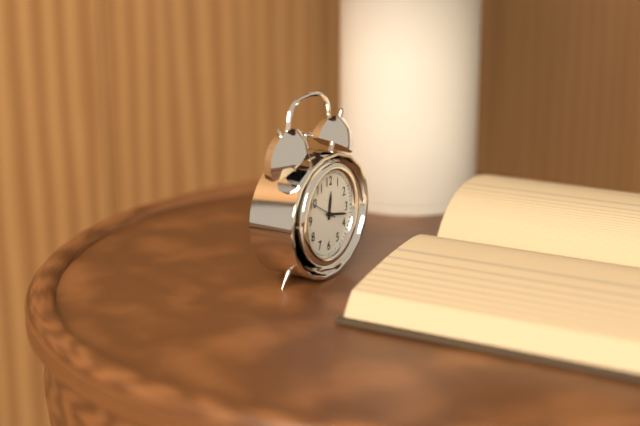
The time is h=12 m=17
